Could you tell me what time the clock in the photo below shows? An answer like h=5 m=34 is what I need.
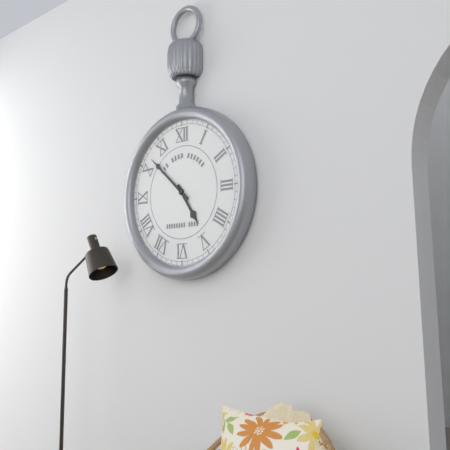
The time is h=4 m=52
